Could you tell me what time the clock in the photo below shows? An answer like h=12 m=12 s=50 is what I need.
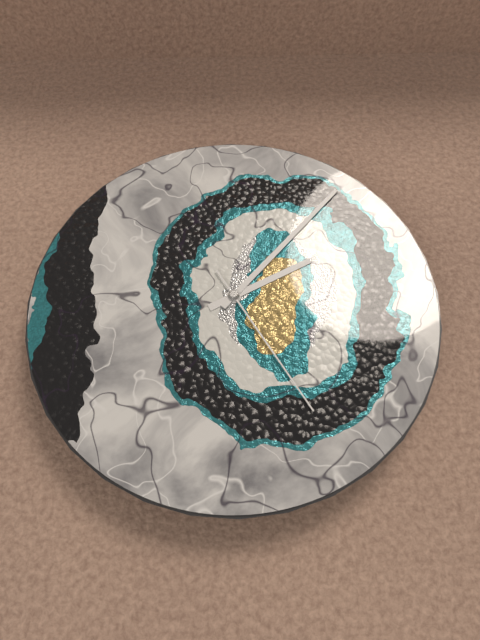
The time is h=2 m=7 s=25
